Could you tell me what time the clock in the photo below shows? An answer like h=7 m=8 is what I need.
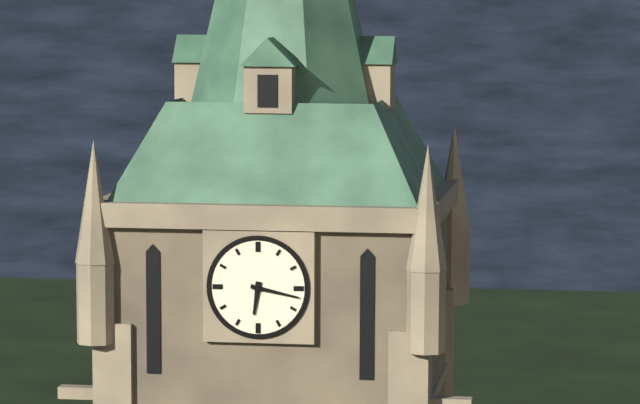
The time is h=6 m=17
